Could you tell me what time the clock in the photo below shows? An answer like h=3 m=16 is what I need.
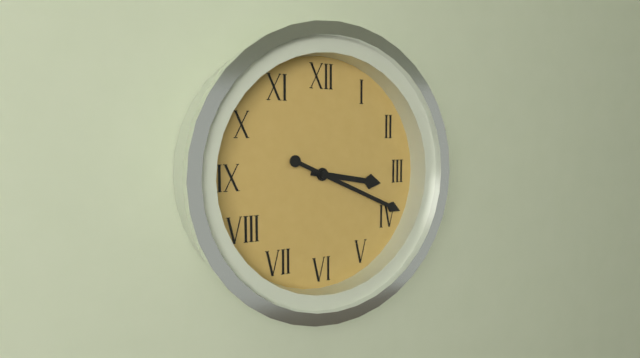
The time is h=3 m=19
